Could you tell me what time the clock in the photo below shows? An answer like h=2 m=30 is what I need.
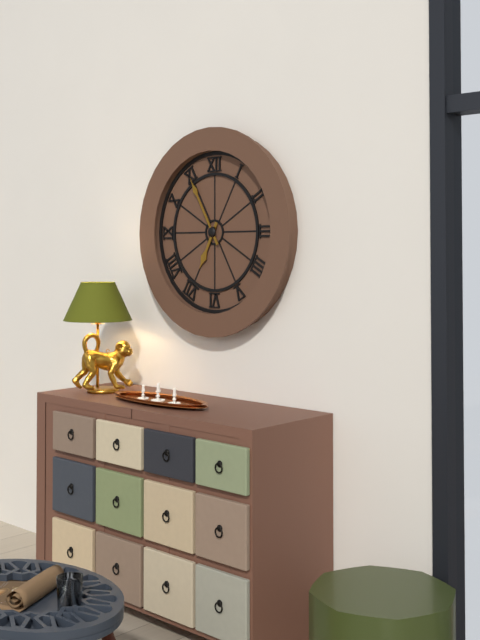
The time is h=6 m=55
